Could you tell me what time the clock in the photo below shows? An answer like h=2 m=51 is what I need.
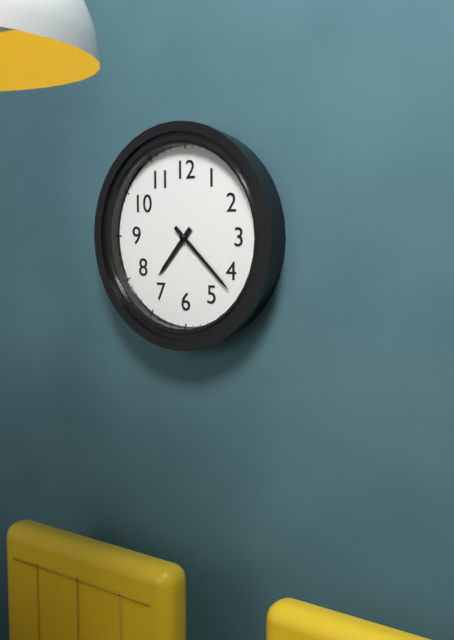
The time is h=7 m=22
